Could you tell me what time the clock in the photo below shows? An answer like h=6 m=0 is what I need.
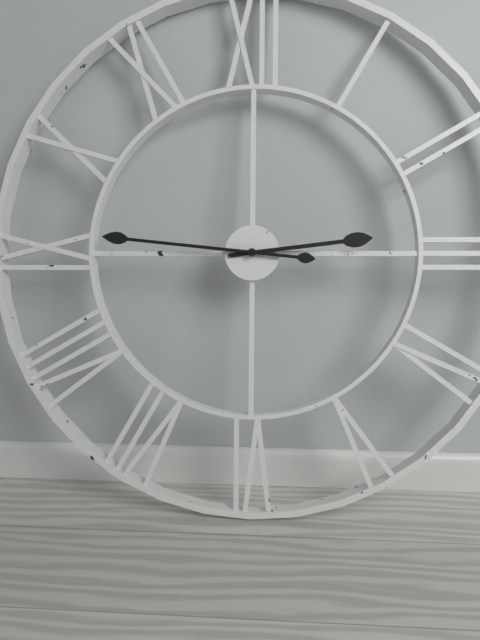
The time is h=2 m=46
